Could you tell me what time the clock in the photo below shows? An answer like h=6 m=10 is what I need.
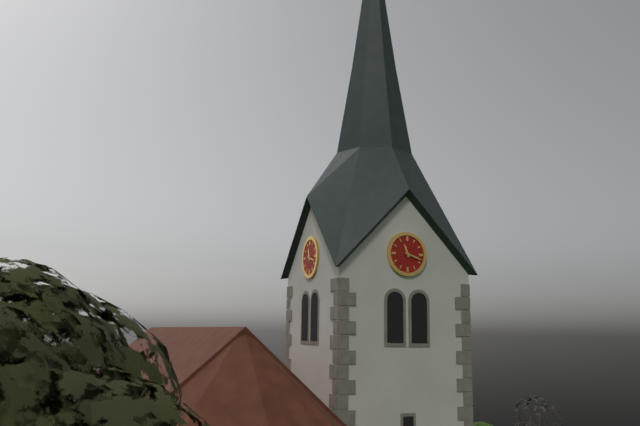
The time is h=11 m=18
